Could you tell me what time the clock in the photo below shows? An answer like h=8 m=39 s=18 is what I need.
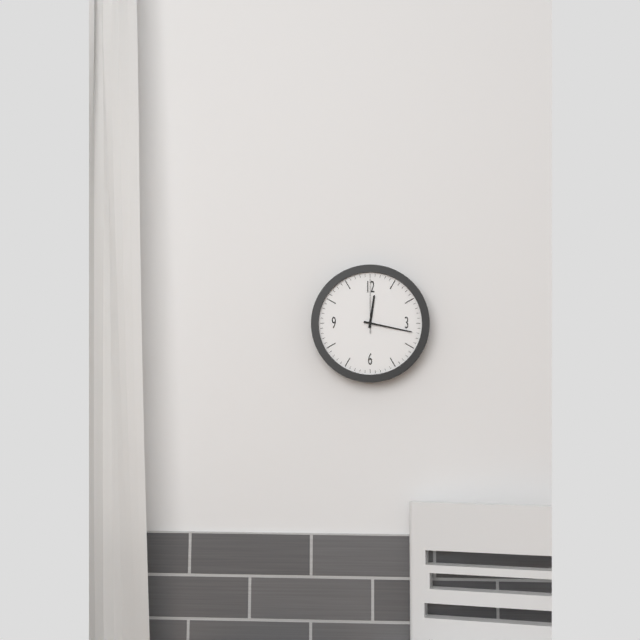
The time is h=12 m=17 s=0
